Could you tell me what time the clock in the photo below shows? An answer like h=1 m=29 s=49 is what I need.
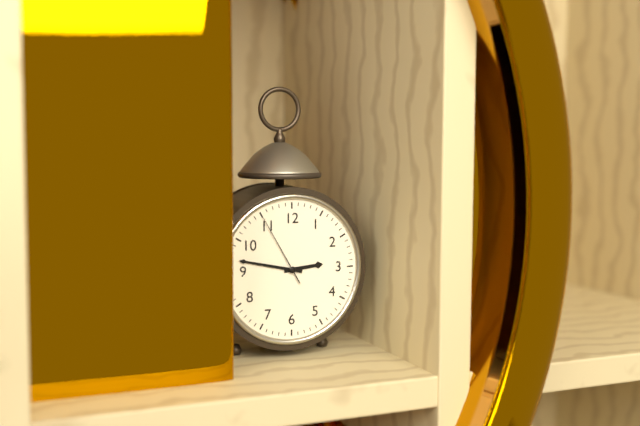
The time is h=2 m=47 s=55
